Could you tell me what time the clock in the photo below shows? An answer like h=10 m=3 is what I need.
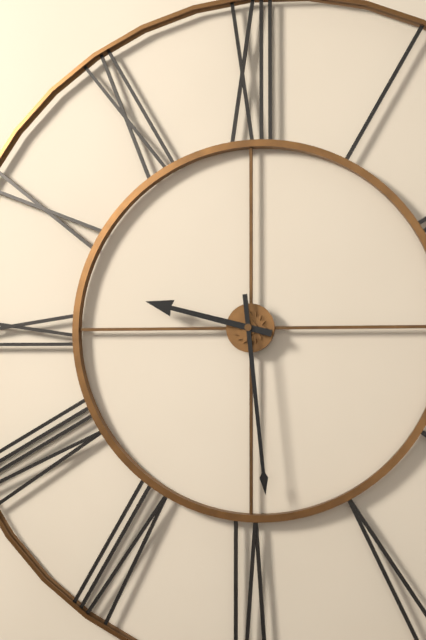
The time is h=9 m=29
